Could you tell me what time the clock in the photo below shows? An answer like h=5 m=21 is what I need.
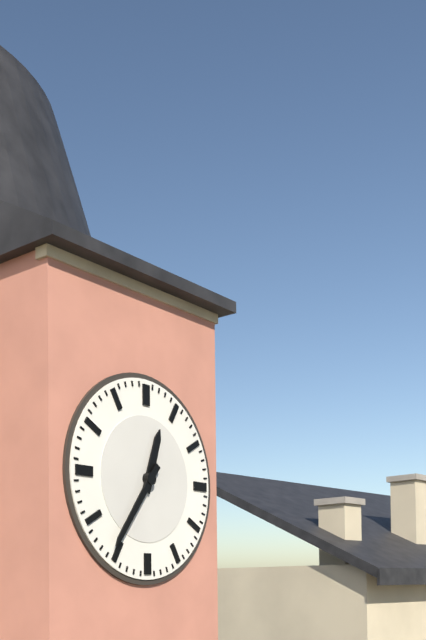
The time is h=12 m=36
